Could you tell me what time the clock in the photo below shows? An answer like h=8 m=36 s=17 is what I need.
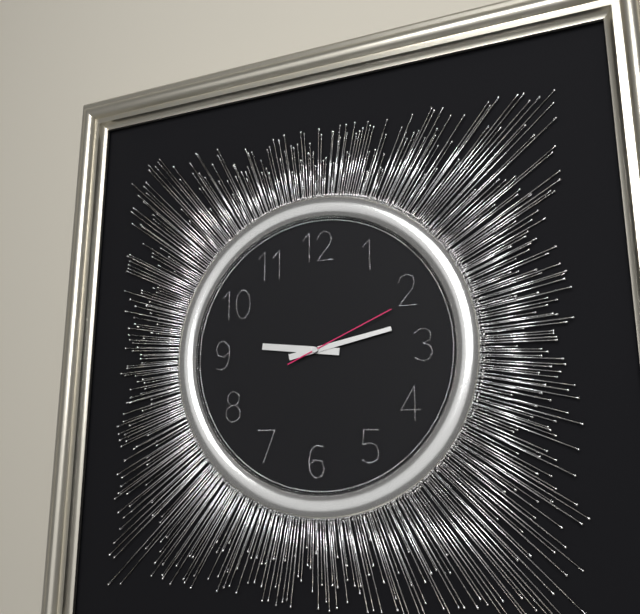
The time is h=9 m=13 s=11
